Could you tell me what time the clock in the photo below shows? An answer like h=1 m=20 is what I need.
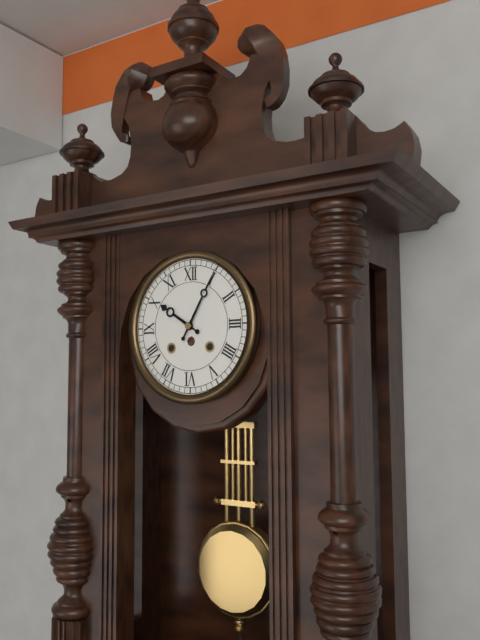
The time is h=10 m=5
